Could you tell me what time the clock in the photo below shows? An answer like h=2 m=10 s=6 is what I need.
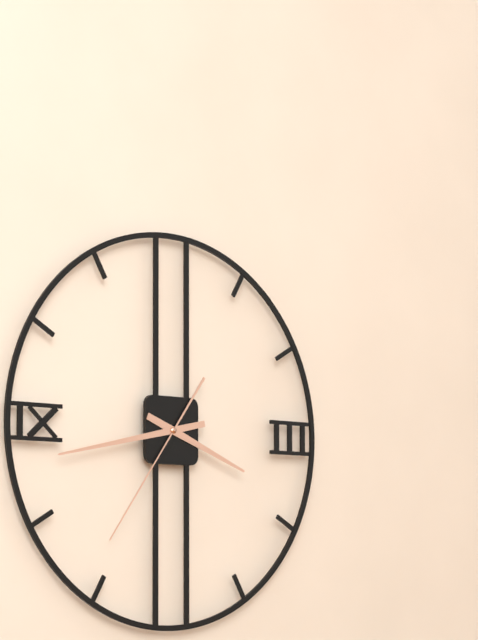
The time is h=3 m=43 s=36
